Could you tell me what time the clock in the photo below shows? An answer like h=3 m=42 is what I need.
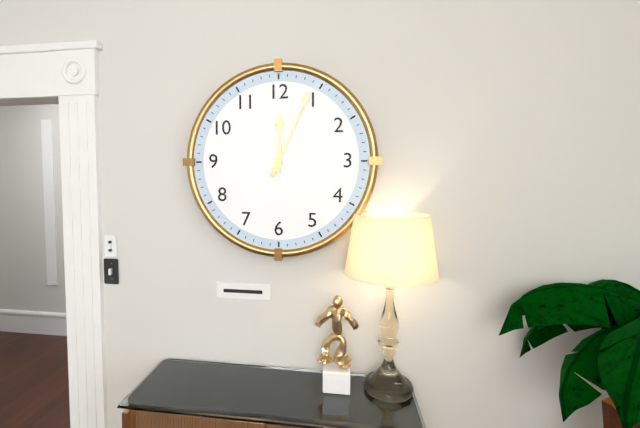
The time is h=12 m=4
